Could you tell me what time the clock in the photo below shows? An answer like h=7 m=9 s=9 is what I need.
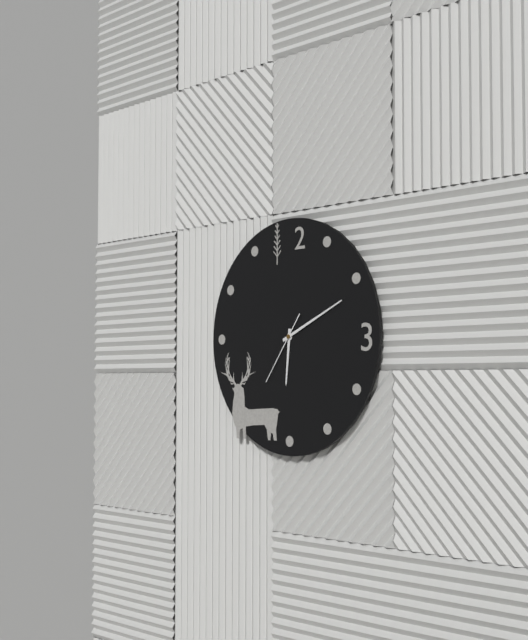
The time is h=6 m=11 s=36
